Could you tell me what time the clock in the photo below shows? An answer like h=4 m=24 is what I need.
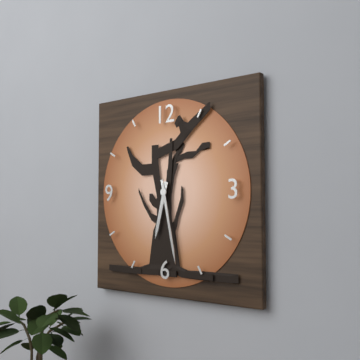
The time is h=6 m=28
